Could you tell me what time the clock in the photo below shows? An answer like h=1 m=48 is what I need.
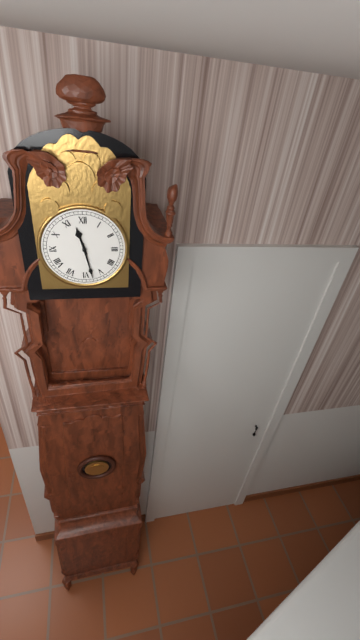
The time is h=11 m=28
